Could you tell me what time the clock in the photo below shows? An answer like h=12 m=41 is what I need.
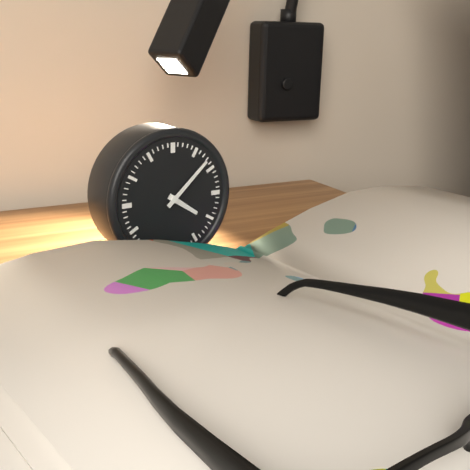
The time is h=4 m=8
